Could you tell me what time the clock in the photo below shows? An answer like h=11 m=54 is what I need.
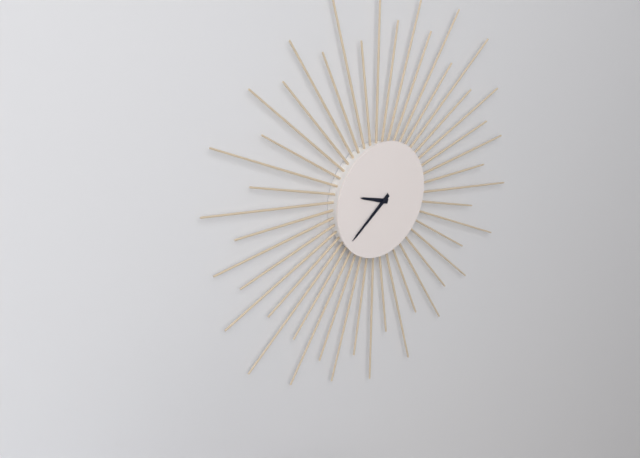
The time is h=9 m=39
